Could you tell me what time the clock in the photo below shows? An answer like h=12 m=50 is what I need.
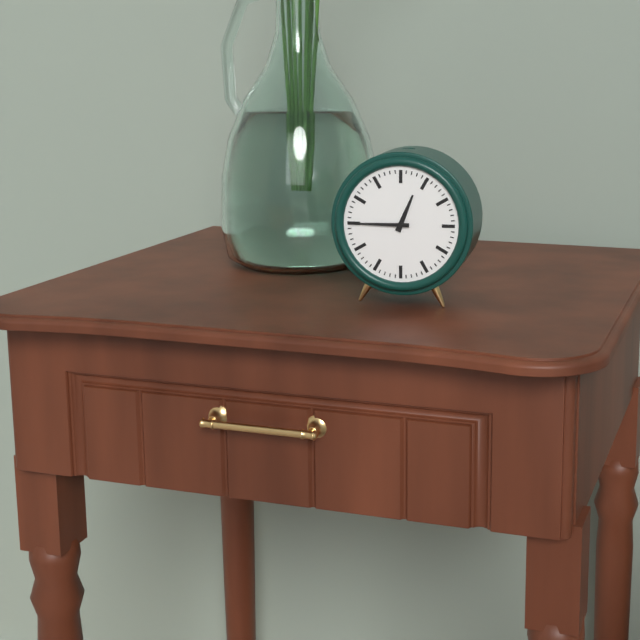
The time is h=12 m=45
